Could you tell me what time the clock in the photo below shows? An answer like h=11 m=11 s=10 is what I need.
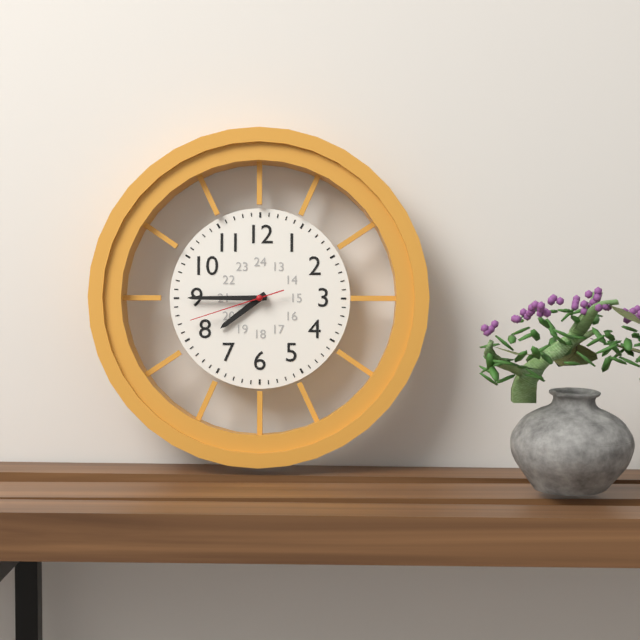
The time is h=7 m=45 s=42
